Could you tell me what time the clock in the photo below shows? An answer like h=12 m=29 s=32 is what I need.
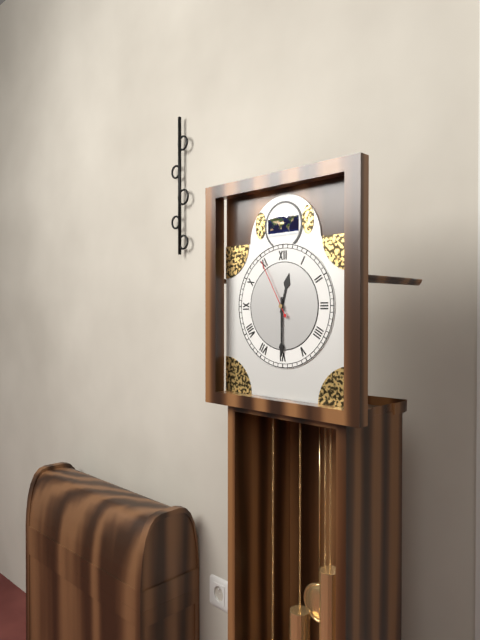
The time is h=12 m=30 s=55
